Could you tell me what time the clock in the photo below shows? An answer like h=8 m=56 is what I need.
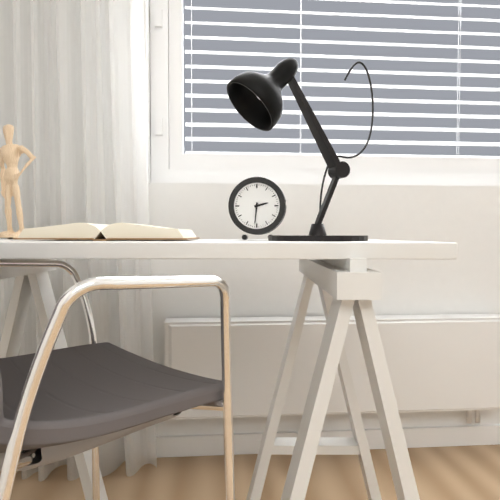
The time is h=2 m=31
